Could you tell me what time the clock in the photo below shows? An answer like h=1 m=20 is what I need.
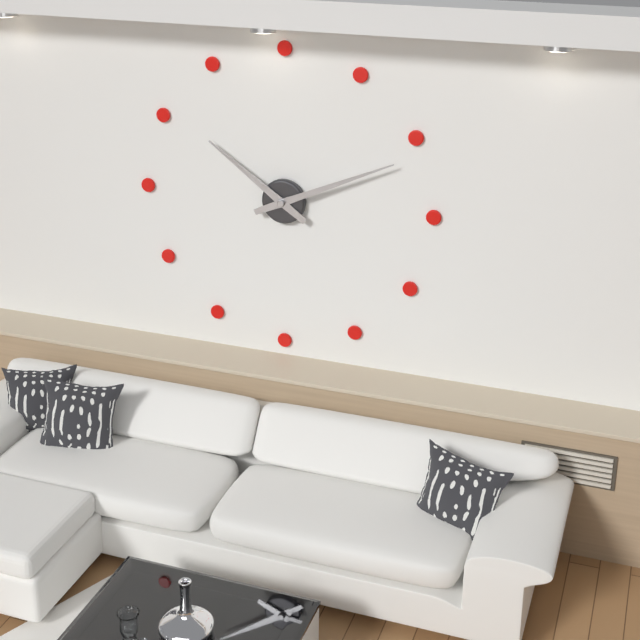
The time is h=10 m=11
